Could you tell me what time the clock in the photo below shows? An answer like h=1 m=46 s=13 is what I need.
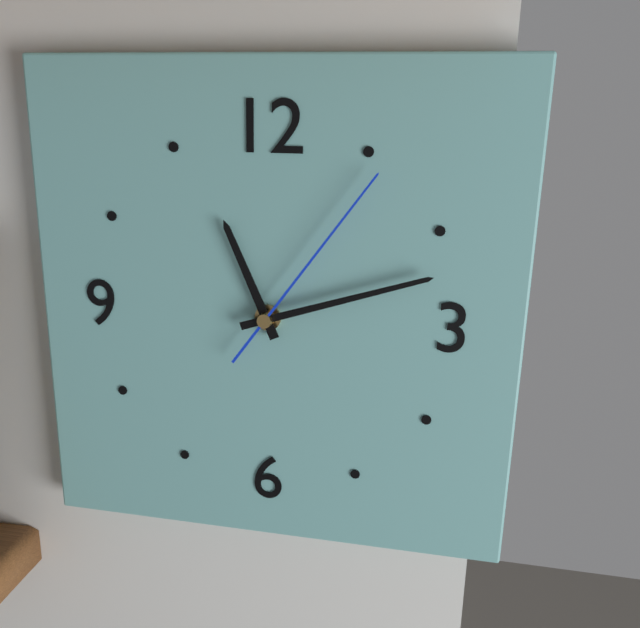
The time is h=11 m=12 s=6
